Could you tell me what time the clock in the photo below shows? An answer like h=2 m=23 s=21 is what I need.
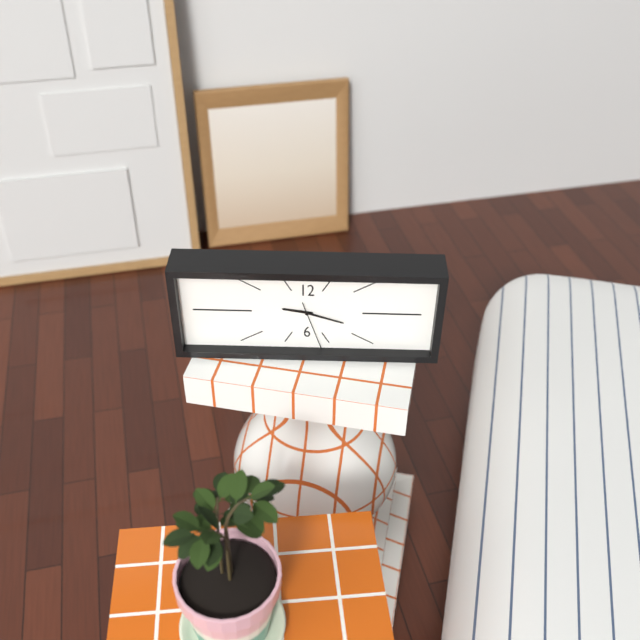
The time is h=9 m=18 s=27
